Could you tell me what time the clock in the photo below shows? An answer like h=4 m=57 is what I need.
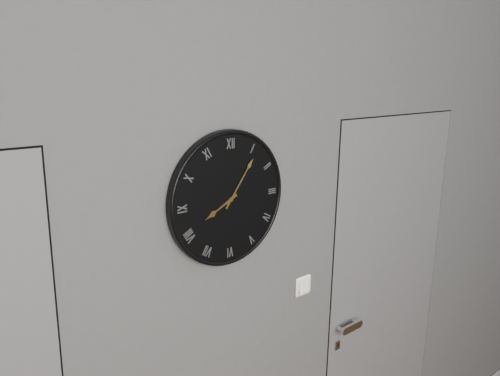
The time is h=8 m=6
